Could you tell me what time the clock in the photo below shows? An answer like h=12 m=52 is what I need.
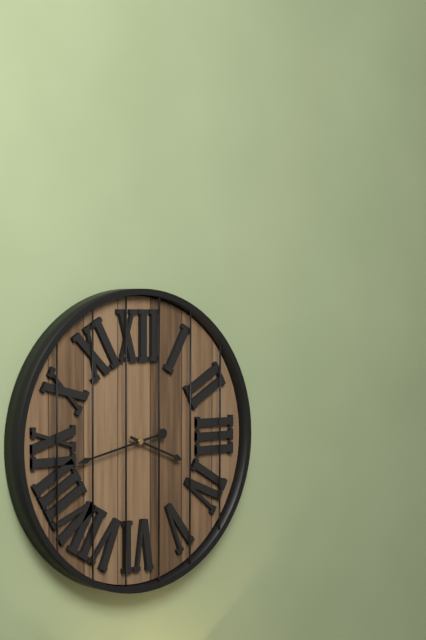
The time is h=3 m=43
